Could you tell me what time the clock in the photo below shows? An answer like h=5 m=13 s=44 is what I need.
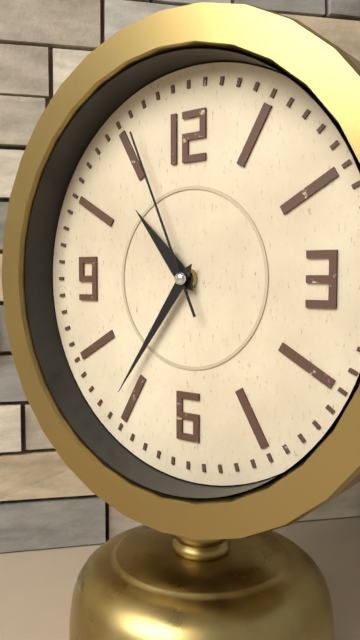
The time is h=10 m=36 s=56
